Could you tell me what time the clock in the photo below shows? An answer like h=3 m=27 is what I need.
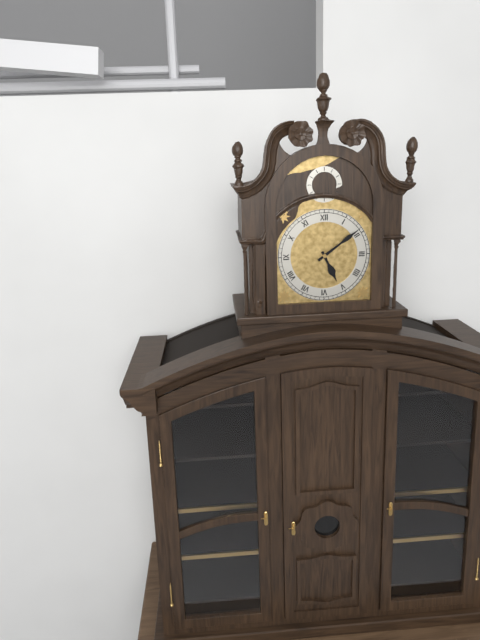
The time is h=5 m=9
